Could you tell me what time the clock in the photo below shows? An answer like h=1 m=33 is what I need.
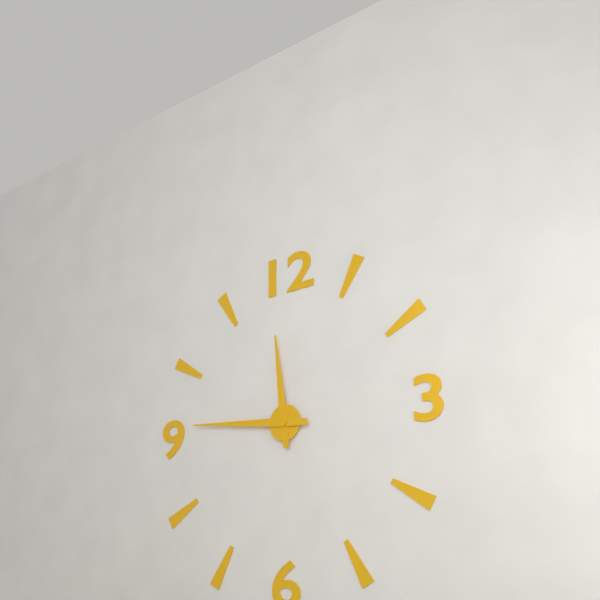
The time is h=11 m=46
